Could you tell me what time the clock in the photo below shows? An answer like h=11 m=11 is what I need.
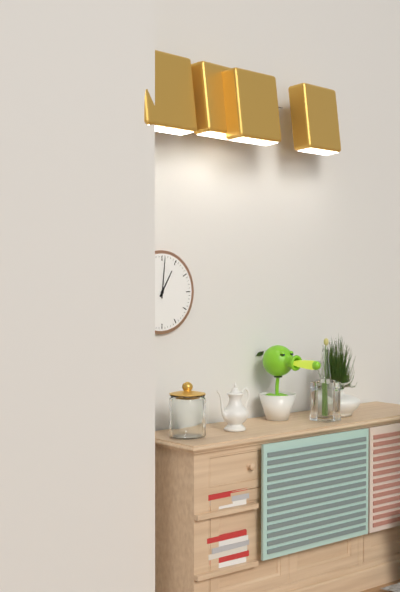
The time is h=1 m=1
